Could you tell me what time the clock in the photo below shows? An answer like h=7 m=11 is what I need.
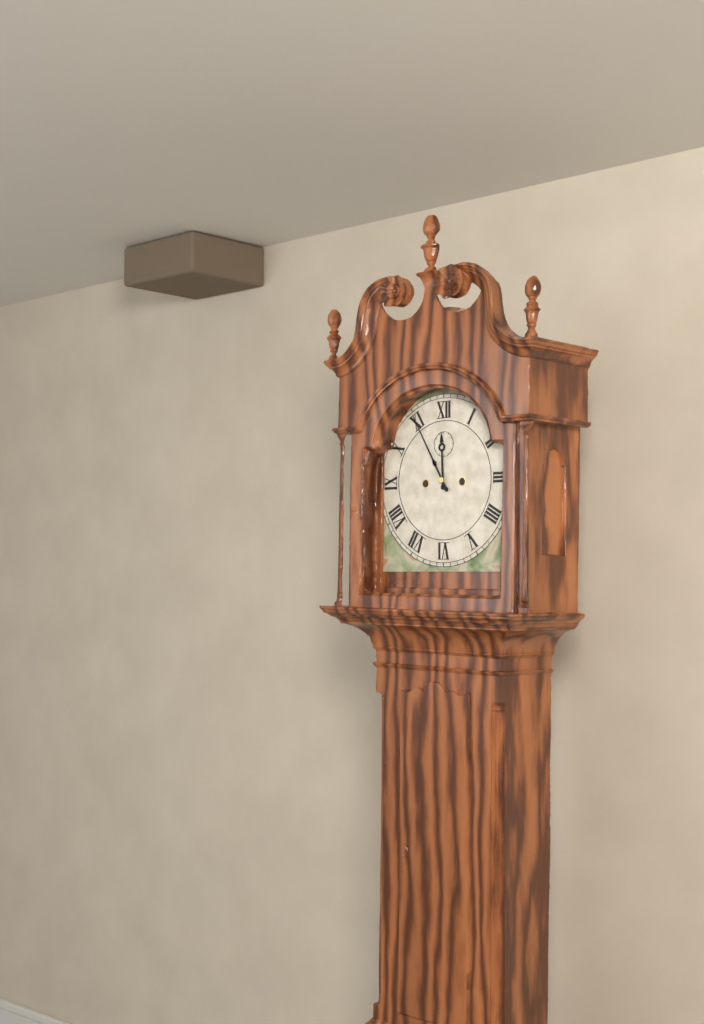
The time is h=11 m=55
